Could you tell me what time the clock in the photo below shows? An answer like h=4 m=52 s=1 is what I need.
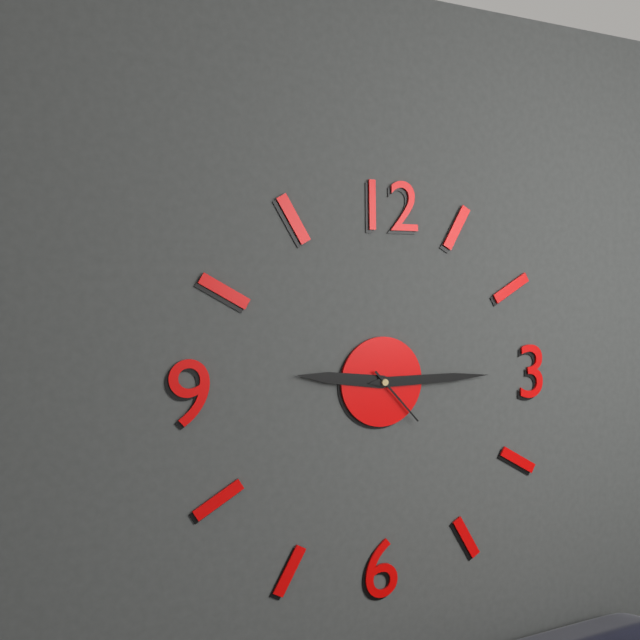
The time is h=9 m=15 s=23
